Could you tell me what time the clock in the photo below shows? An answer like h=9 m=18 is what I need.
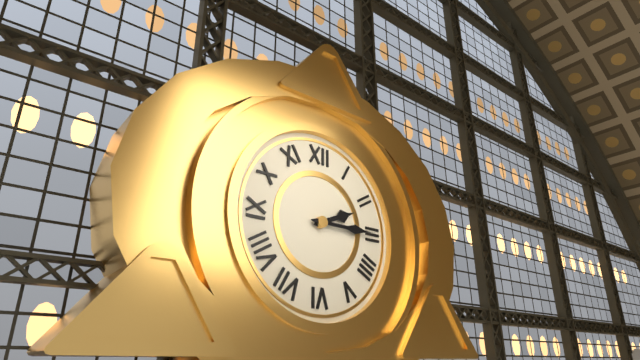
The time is h=2 m=15
